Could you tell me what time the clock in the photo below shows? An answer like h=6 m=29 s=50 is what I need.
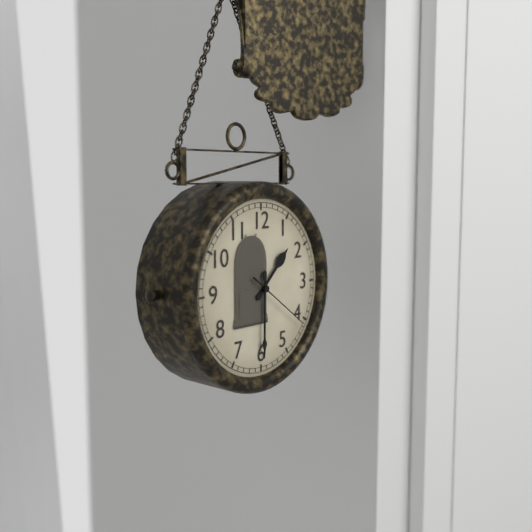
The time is h=1 m=30 s=21
